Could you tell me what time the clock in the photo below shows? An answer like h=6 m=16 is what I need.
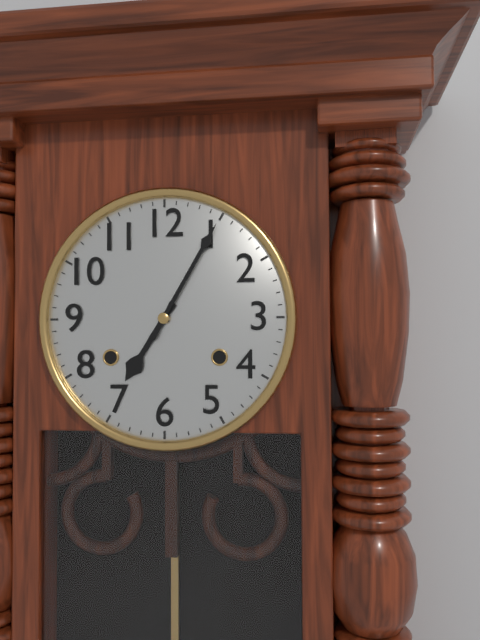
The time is h=7 m=5
